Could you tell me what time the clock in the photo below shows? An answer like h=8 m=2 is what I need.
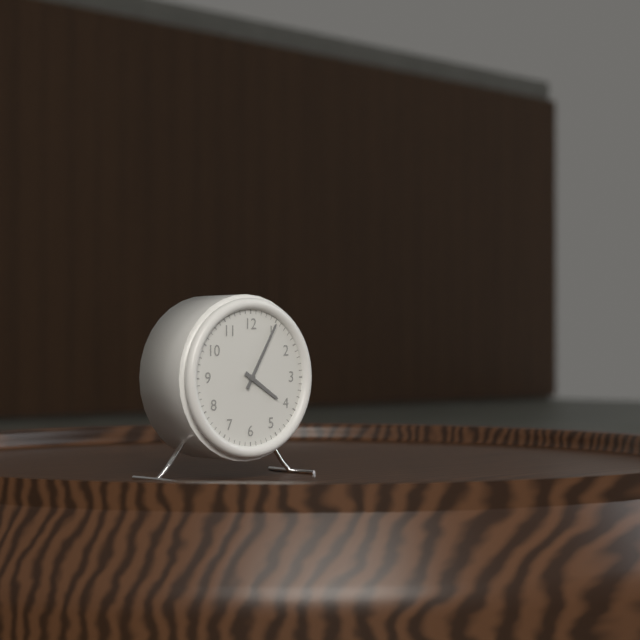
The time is h=4 m=5
